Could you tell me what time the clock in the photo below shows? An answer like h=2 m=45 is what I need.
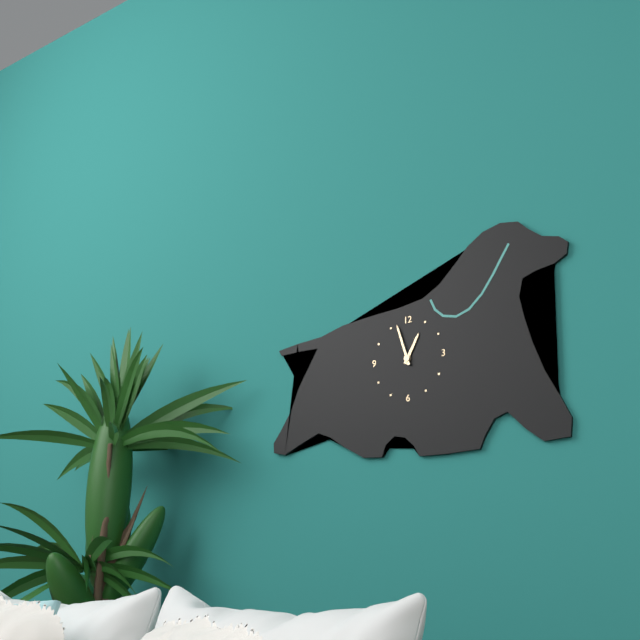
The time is h=12 m=57
